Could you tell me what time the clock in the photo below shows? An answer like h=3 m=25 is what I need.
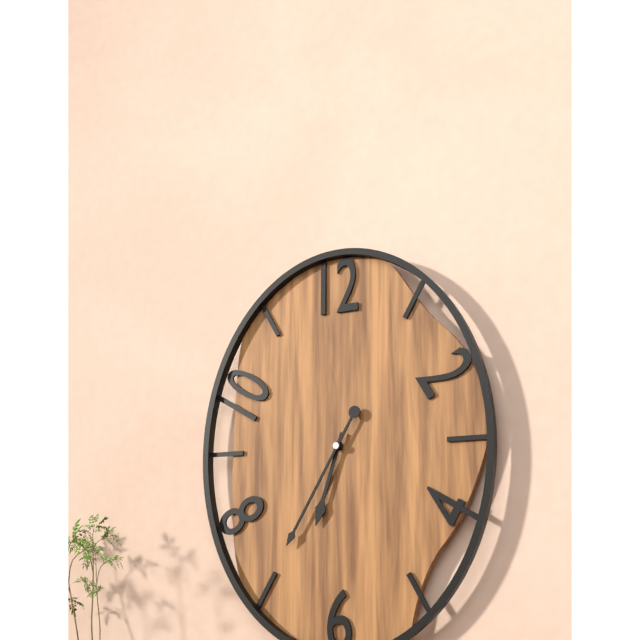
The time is h=6 m=35
